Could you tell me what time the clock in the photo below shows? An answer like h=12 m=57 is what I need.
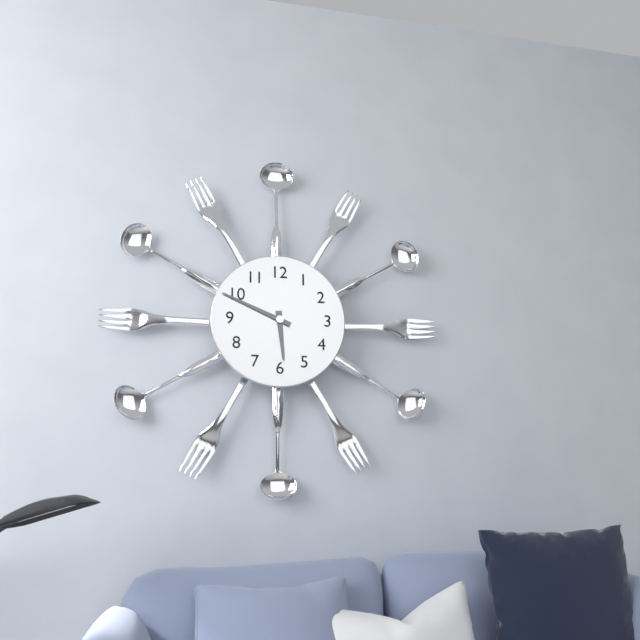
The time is h=5 m=49
